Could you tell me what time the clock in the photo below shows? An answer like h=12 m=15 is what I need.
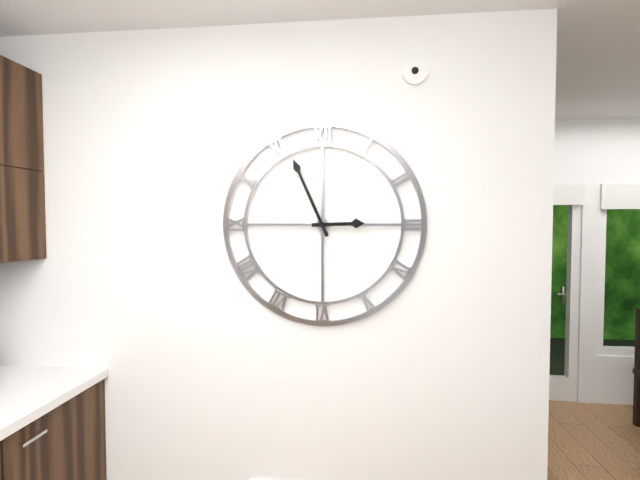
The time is h=2 m=56
